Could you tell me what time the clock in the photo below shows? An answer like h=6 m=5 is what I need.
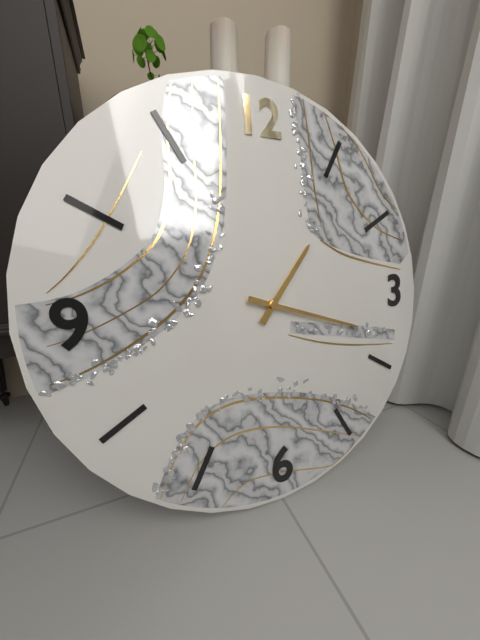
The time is h=1 m=18
